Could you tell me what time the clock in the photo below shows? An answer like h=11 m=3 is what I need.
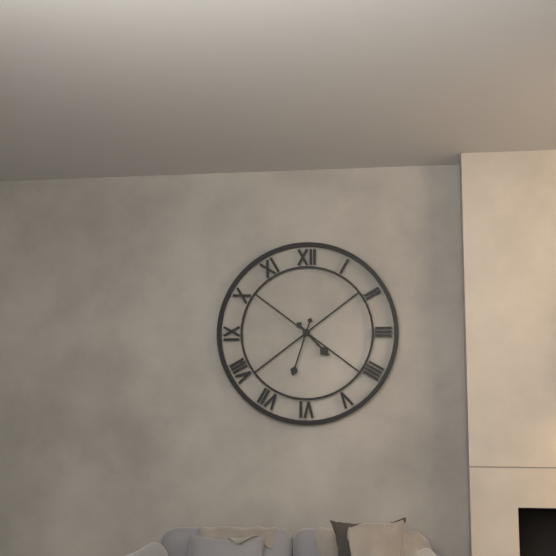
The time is h=4 m=33
